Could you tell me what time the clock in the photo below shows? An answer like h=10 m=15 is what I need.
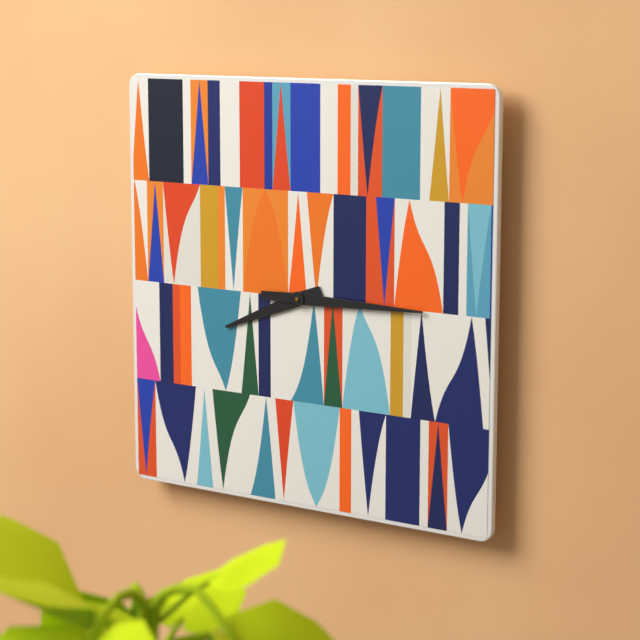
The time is h=8 m=15
